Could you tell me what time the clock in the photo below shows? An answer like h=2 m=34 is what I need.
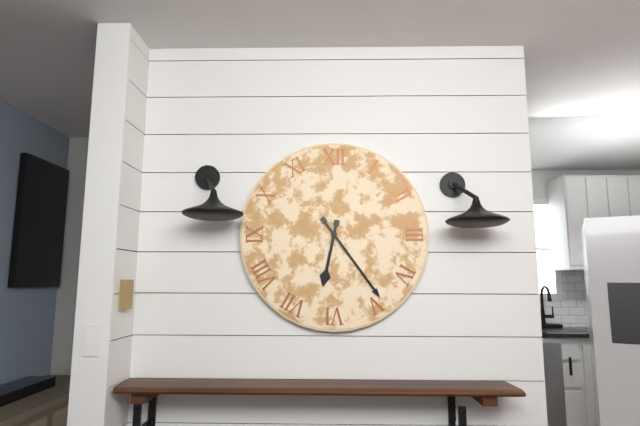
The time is h=6 m=24
